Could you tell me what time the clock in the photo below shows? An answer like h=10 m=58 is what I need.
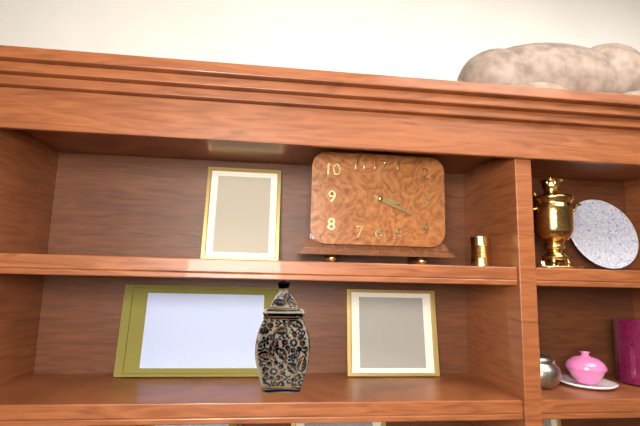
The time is h=3 m=19
